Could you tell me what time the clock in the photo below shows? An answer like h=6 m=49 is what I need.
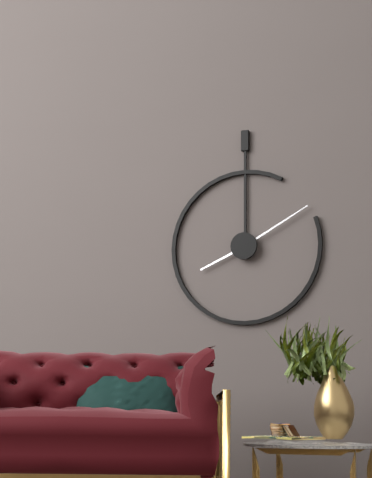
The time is h=8 m=10
